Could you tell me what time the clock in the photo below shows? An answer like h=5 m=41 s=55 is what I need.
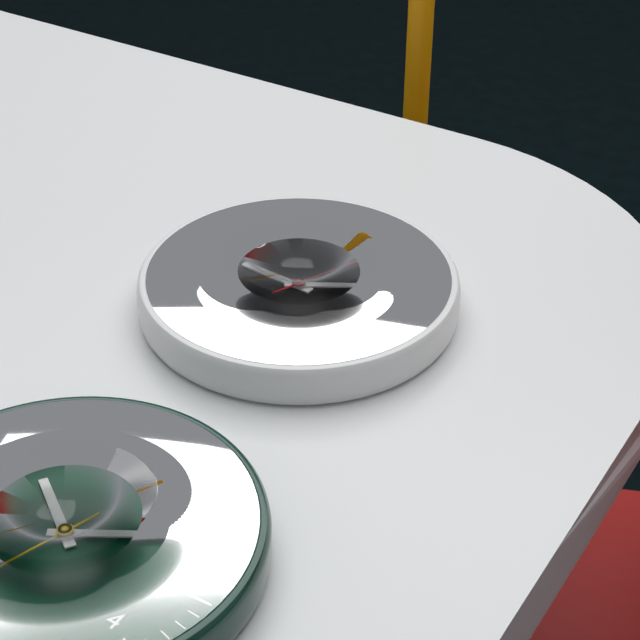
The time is h=9 m=10 s=4
